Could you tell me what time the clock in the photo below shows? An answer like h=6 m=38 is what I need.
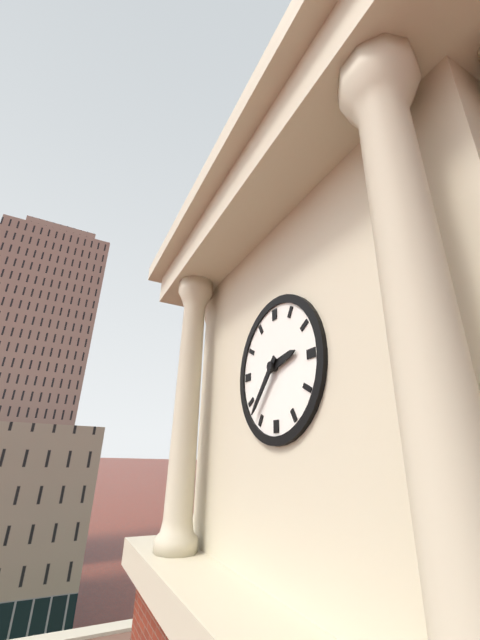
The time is h=2 m=37
